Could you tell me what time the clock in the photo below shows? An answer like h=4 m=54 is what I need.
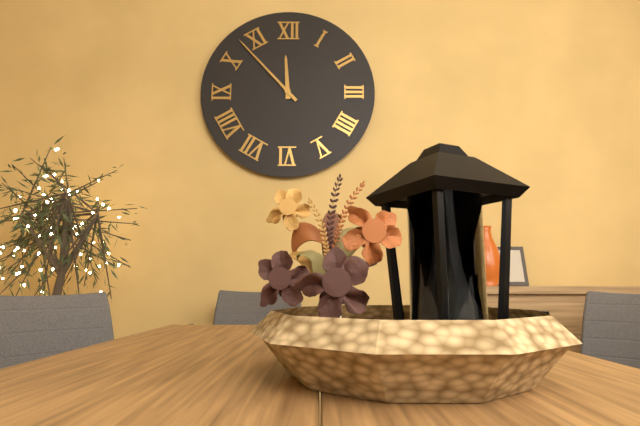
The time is h=11 m=53
